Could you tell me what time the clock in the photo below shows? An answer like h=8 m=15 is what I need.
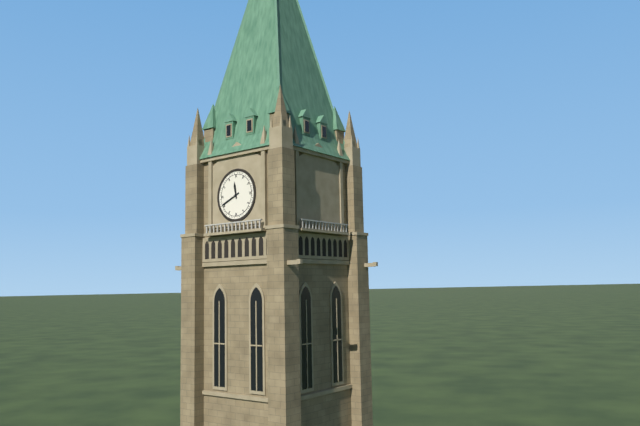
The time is h=11 m=41
